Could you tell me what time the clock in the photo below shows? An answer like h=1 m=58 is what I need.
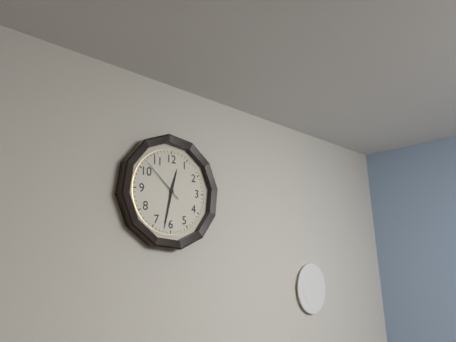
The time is h=12 m=32
